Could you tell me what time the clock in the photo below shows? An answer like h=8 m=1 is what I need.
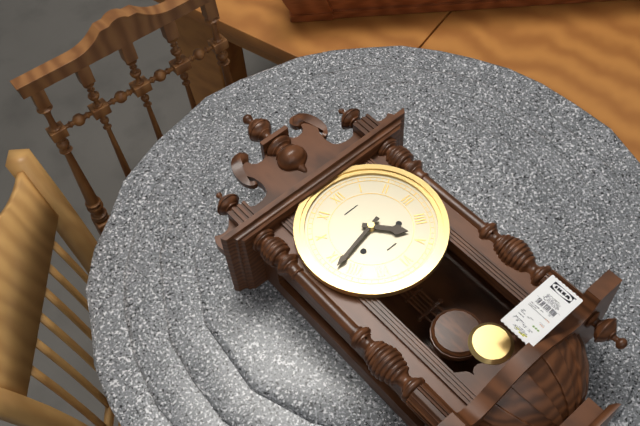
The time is h=4 m=43
